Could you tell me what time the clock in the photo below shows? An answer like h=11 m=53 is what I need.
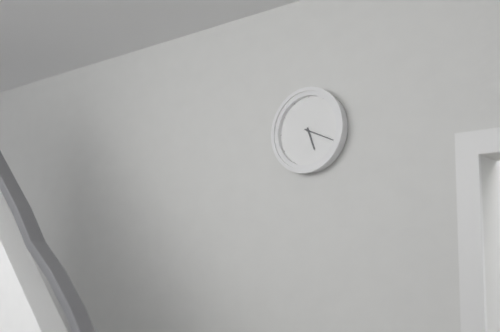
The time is h=5 m=19
